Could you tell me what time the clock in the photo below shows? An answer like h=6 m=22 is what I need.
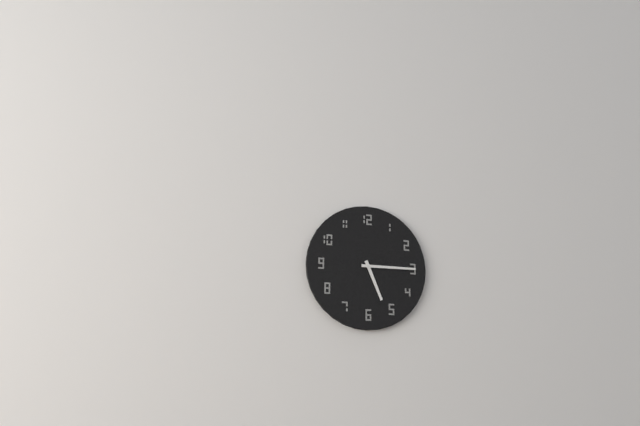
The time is h=5 m=15
